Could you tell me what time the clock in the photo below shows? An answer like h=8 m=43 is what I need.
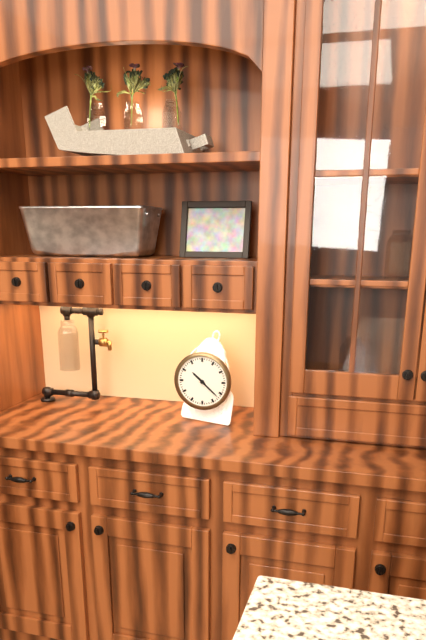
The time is h=10 m=22
